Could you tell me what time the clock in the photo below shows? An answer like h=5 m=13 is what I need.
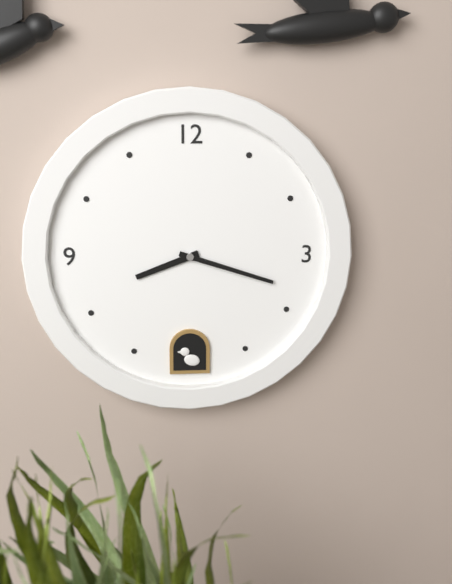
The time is h=8 m=18
